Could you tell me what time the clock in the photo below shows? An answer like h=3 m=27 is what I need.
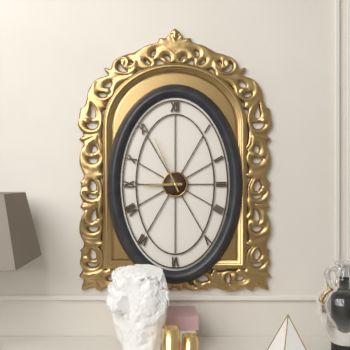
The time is h=8 m=56
